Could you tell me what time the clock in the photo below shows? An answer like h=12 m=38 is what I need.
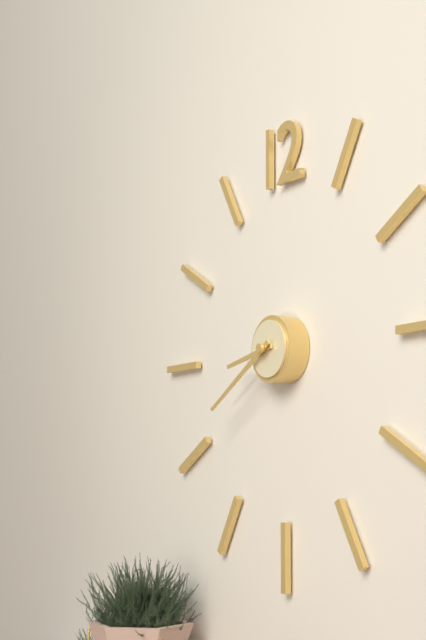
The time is h=8 m=40
